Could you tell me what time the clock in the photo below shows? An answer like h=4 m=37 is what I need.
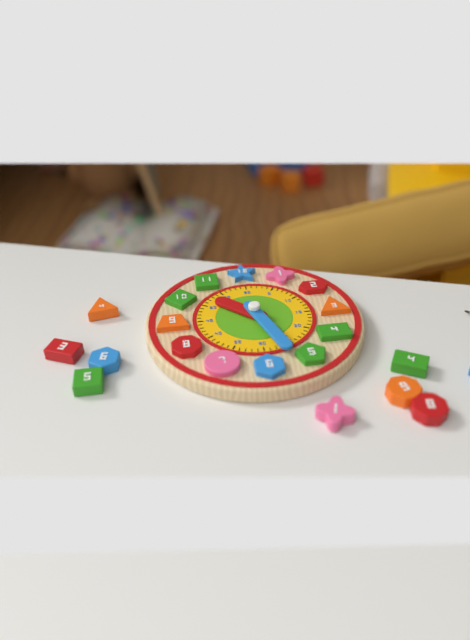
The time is h=10 m=27
